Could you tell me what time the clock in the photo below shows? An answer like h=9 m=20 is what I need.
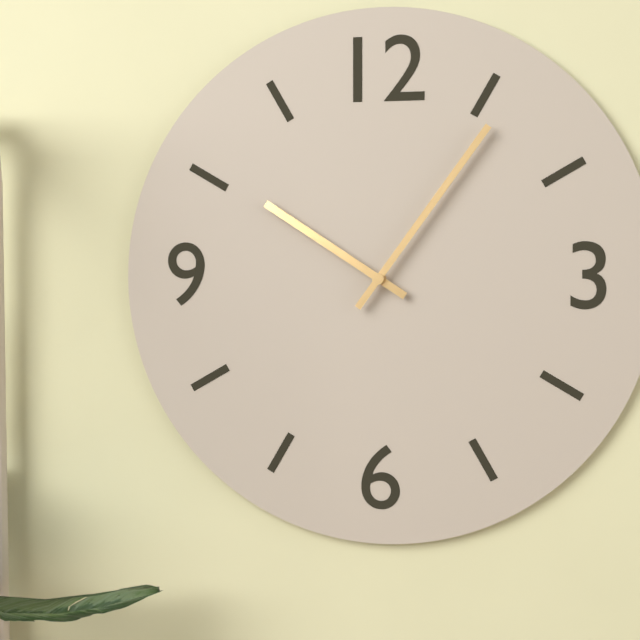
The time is h=10 m=6
